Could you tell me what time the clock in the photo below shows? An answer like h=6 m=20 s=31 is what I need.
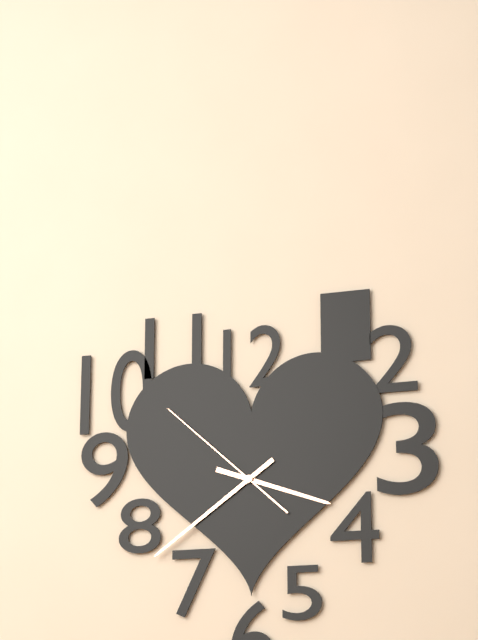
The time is h=3 m=39 s=52
